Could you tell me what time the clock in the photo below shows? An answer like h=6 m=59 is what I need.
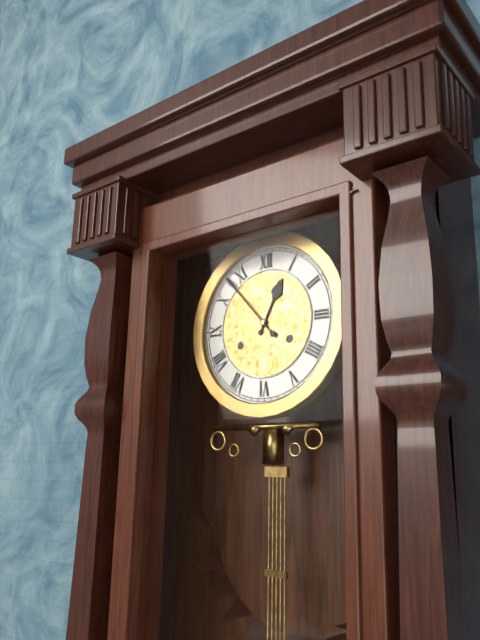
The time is h=12 m=53
